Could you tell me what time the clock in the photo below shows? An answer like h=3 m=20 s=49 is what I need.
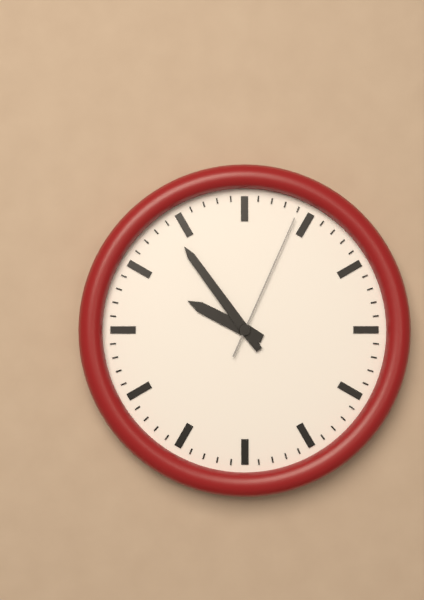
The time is h=9 m=54 s=4
